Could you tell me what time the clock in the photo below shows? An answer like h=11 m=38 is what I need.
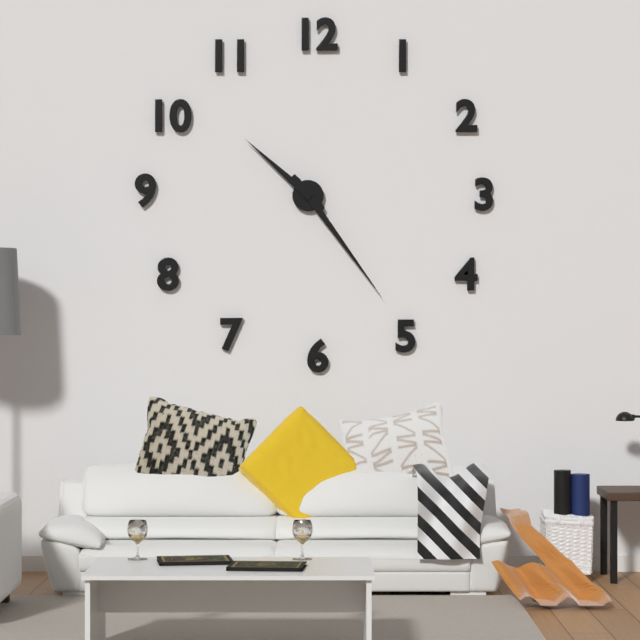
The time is h=10 m=24
